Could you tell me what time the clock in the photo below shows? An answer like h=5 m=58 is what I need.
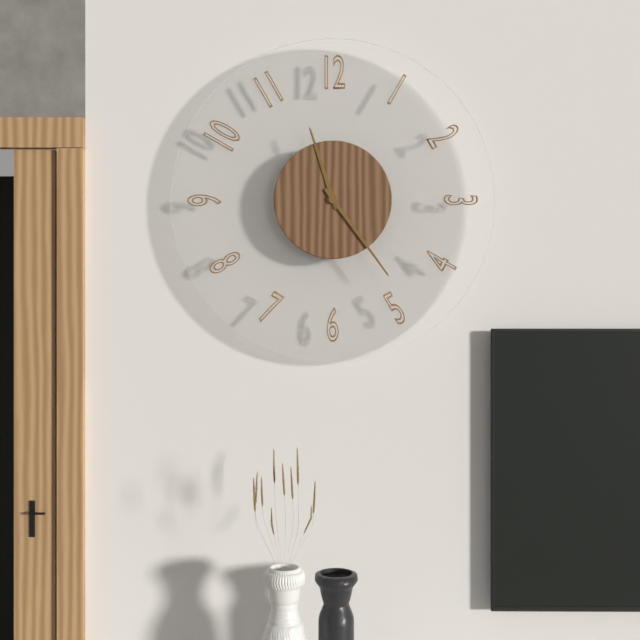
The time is h=11 m=24
